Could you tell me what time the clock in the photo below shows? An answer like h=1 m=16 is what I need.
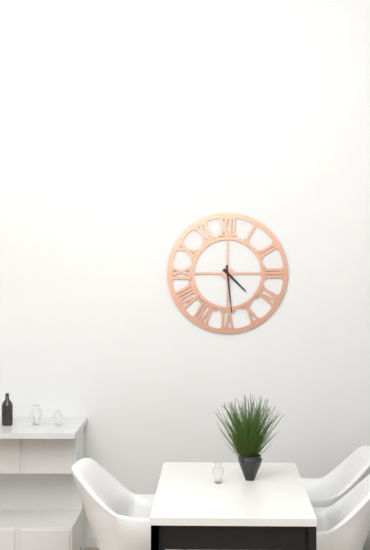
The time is h=4 m=29
